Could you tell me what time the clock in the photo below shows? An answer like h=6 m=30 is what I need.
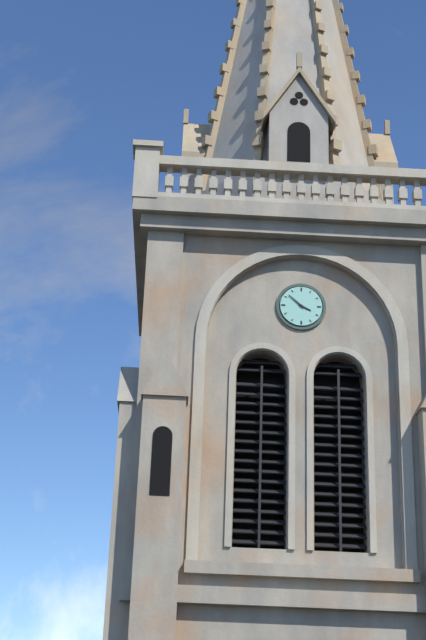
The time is h=3 m=52
